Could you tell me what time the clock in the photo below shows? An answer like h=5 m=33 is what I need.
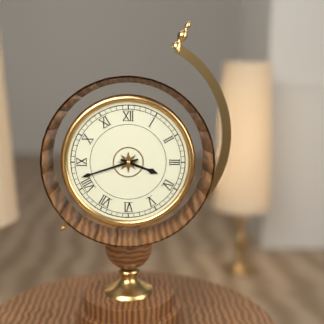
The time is h=3 m=42
